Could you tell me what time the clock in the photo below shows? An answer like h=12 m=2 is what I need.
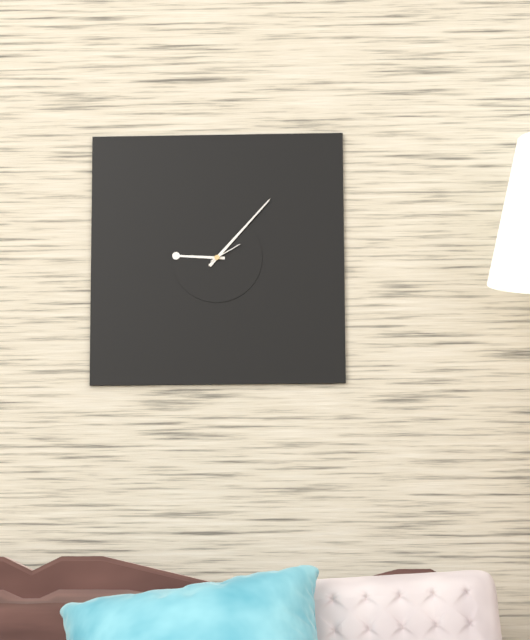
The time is h=9 m=7
